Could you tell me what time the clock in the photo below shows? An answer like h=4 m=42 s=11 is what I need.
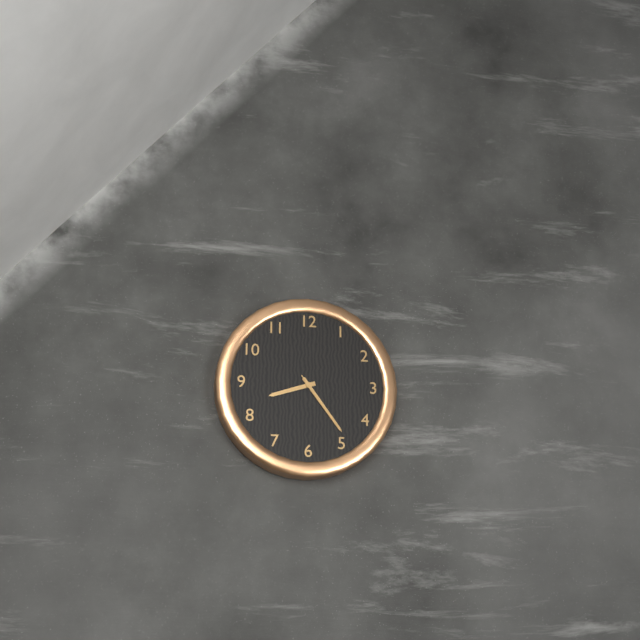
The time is h=8 m=24 s=24
